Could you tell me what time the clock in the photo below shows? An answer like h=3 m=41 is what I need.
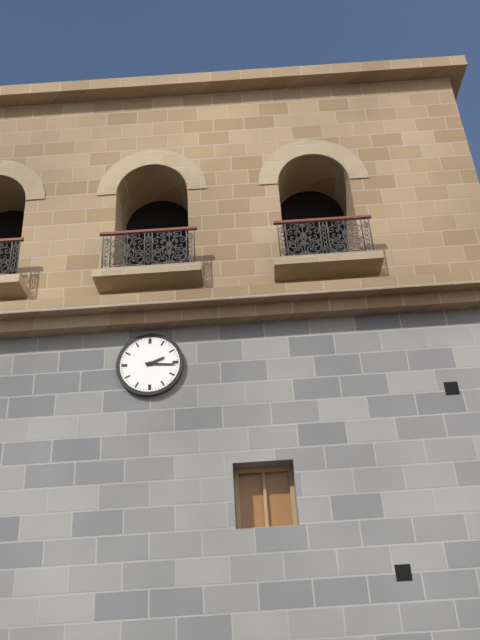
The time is h=2 m=16
